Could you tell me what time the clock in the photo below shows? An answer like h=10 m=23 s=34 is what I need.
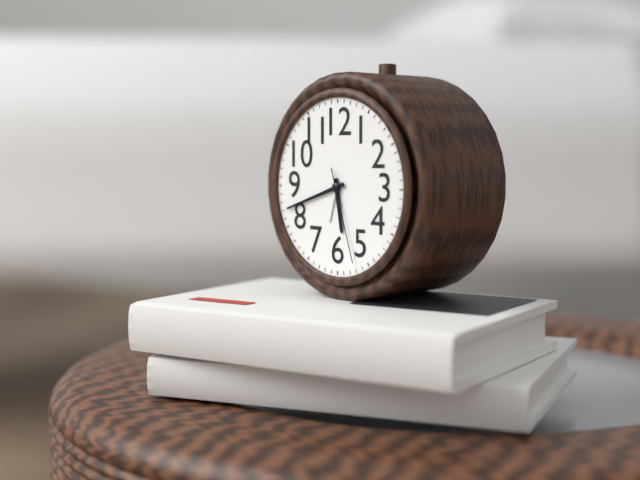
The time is h=5 m=42 s=27
